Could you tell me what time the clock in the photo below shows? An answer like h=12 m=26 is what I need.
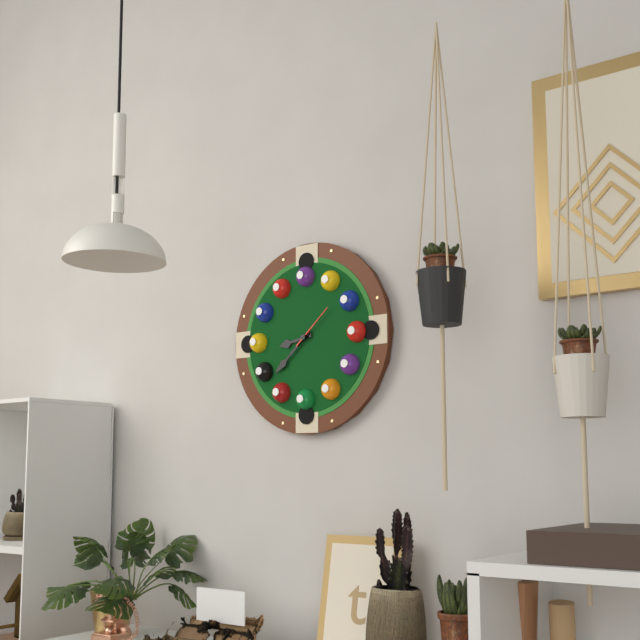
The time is h=8 m=38
